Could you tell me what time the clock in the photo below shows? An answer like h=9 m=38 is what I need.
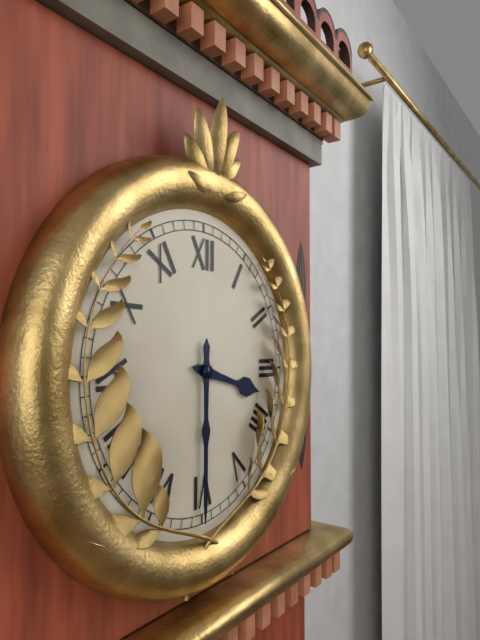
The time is h=3 m=30
